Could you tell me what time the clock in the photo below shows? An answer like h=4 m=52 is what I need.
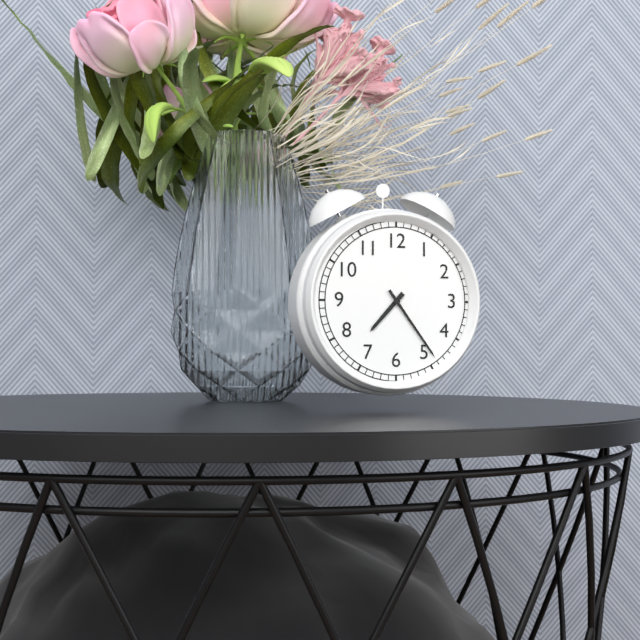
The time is h=7 m=24
